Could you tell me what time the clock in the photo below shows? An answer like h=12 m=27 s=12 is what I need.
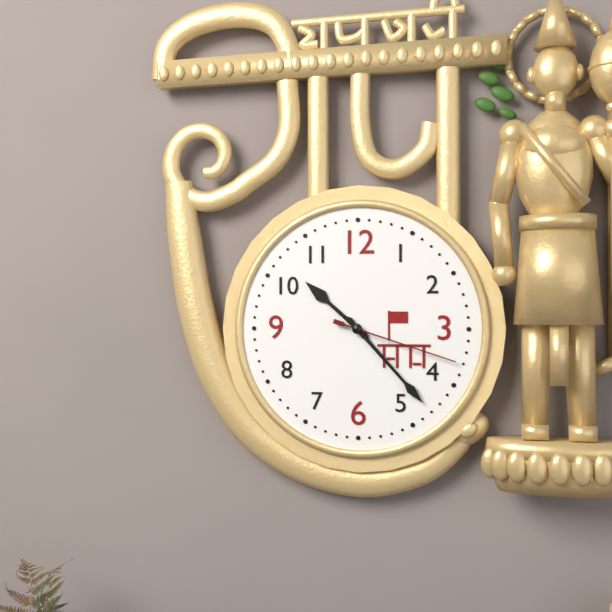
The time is h=10 m=23 s=18
